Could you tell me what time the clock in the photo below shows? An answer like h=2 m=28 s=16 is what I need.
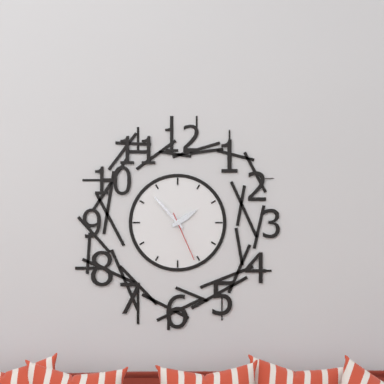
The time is h=1 m=53 s=26
